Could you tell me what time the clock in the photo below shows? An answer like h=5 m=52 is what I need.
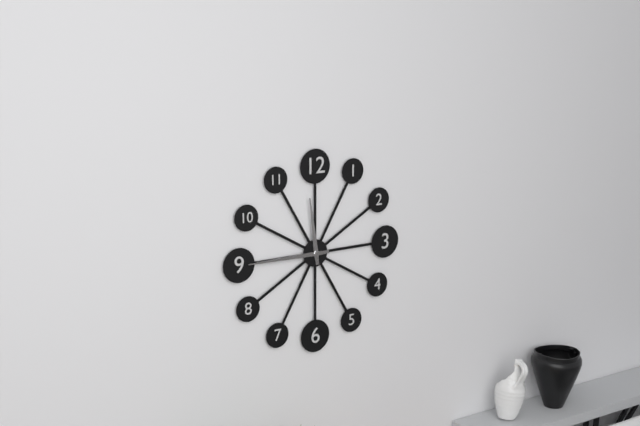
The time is h=11 m=45
